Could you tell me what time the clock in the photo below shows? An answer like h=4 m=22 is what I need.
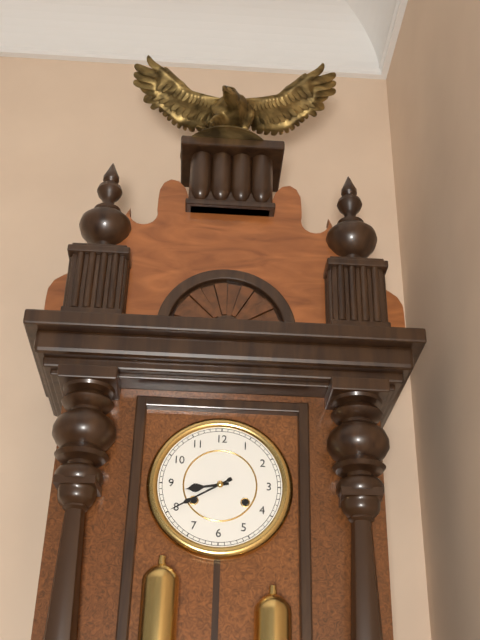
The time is h=8 m=40
